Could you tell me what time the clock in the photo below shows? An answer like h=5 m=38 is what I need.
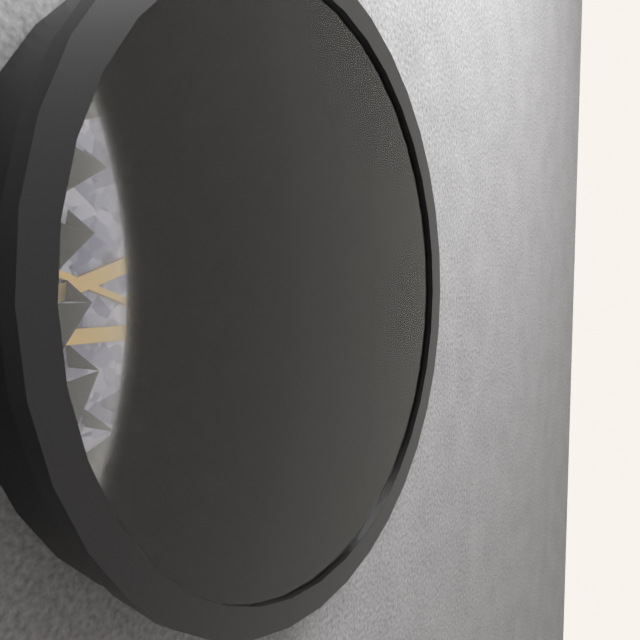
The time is h=6 m=41
